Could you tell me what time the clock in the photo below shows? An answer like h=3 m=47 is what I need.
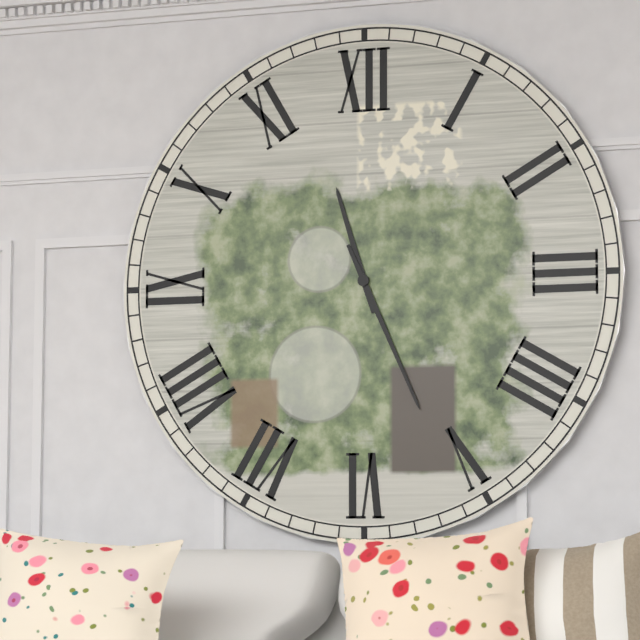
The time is h=11 m=26
